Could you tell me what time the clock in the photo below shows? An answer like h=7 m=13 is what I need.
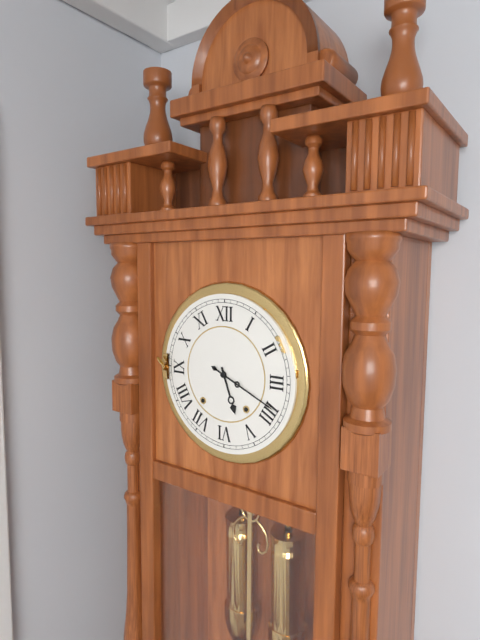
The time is h=5 m=19
